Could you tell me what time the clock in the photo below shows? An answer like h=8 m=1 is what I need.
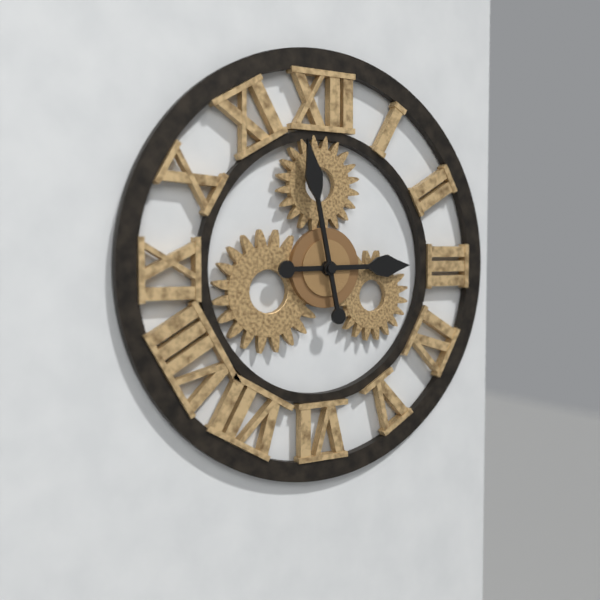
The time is h=2 m=58
